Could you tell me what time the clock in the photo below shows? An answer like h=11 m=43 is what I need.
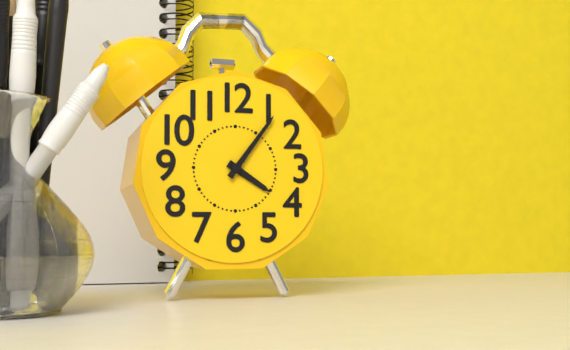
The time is h=4 m=6
